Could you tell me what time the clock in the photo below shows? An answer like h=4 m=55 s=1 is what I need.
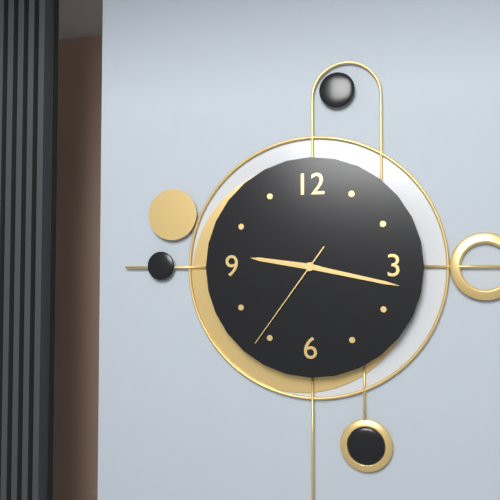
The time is h=9 m=17 s=36
